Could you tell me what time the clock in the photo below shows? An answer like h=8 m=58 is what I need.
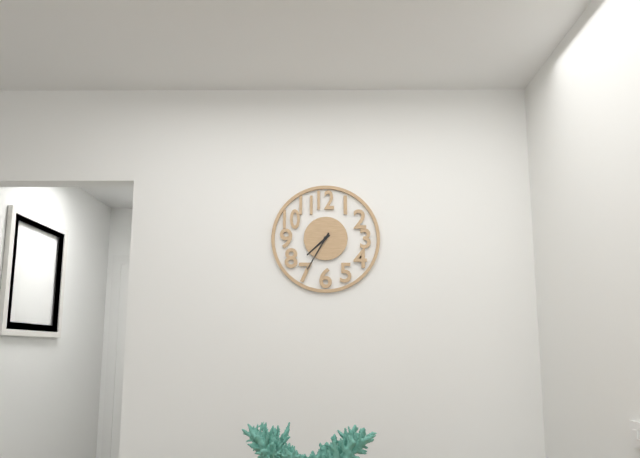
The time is h=7 m=35
